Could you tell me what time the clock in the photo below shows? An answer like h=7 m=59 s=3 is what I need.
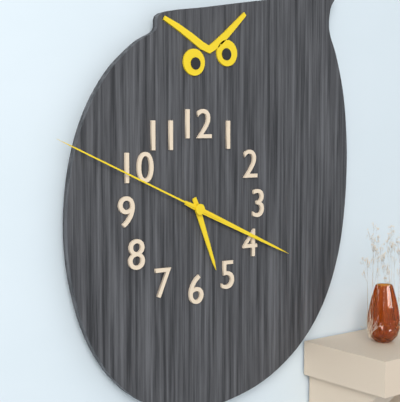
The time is h=5 m=19 s=49
